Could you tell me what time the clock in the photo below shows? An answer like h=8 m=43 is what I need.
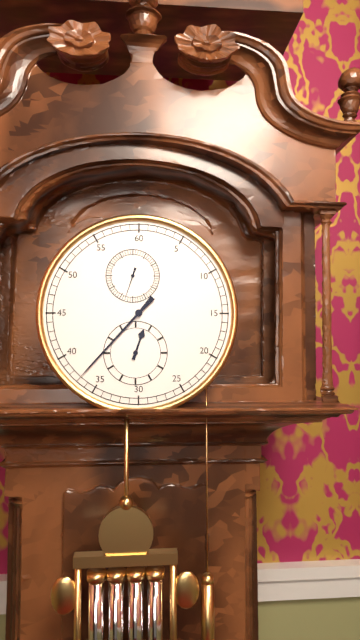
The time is h=12 m=37
